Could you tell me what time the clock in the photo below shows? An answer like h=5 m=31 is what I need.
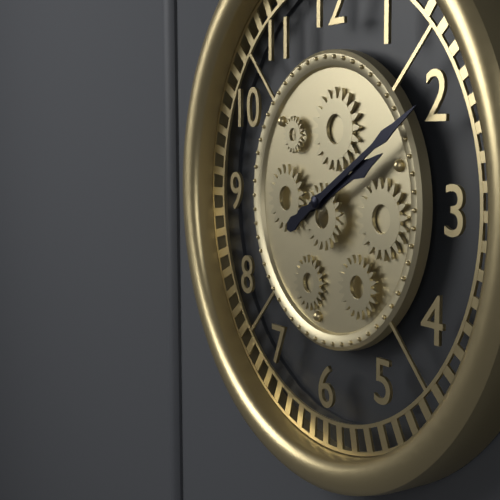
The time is h=2 m=10
